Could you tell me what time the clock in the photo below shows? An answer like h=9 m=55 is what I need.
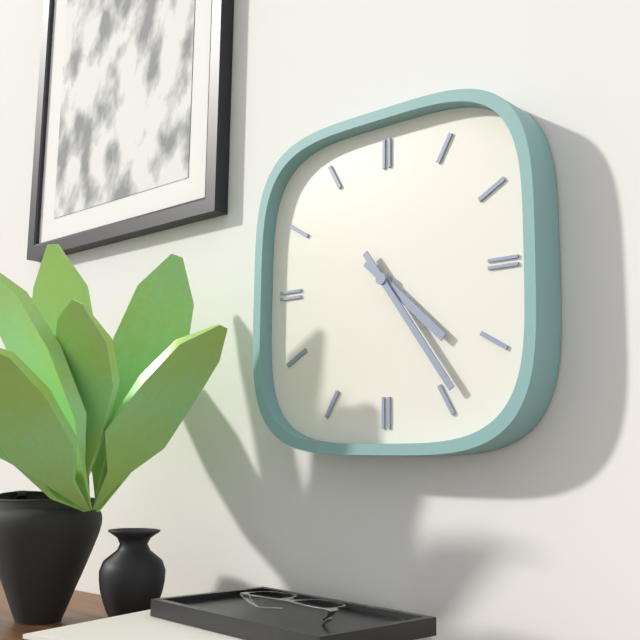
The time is h=4 m=24
